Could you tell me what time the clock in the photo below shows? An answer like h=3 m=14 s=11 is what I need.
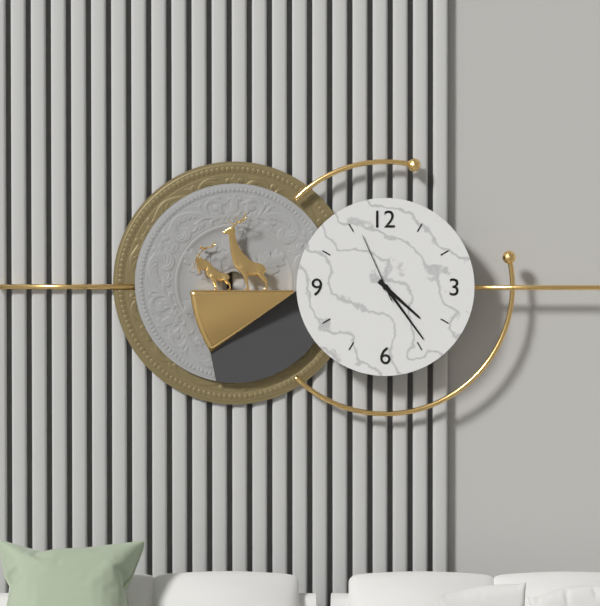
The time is h=4 m=24 s=56
